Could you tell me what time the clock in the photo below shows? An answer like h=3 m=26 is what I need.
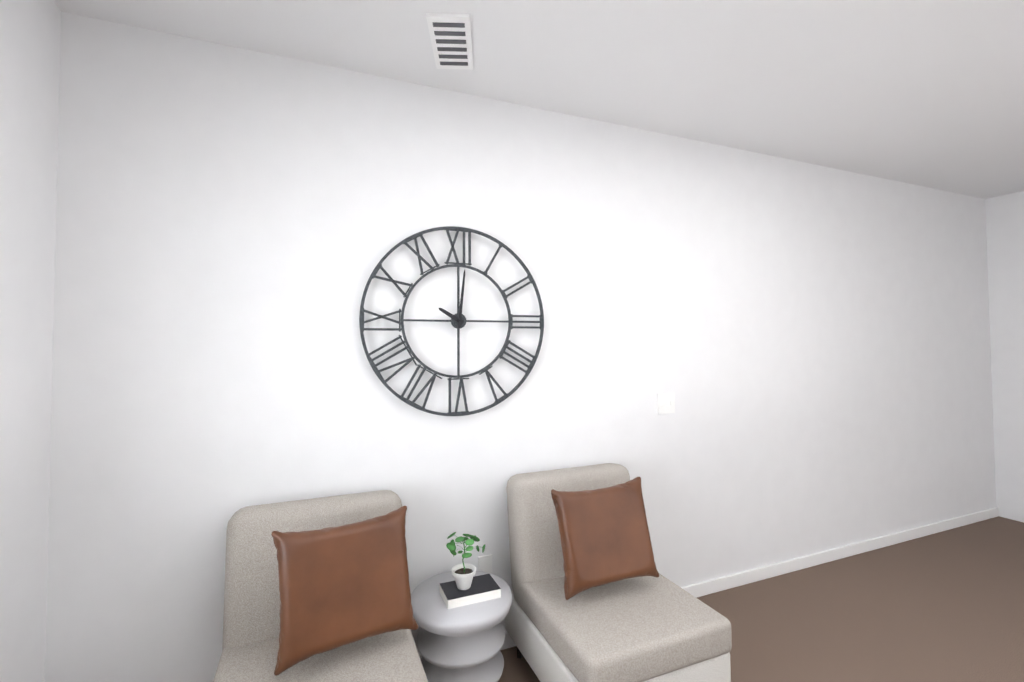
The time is h=10 m=1
